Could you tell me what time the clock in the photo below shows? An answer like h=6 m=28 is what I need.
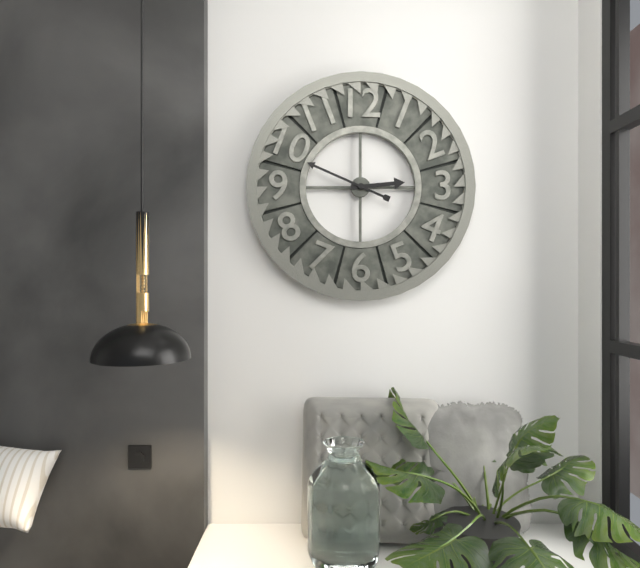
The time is h=2 m=49
